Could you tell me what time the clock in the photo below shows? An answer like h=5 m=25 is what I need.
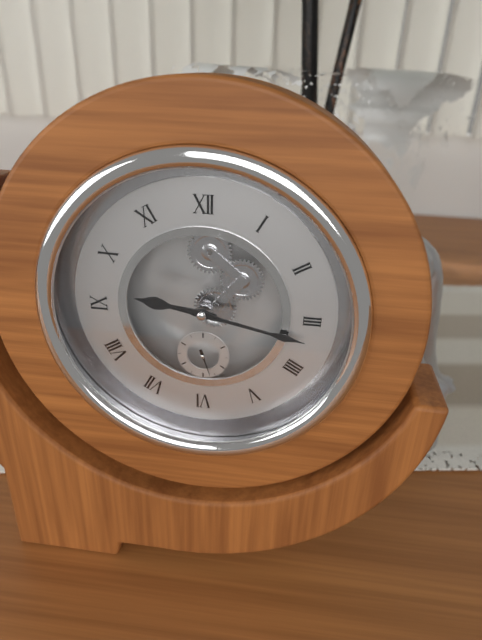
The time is h=9 m=17
